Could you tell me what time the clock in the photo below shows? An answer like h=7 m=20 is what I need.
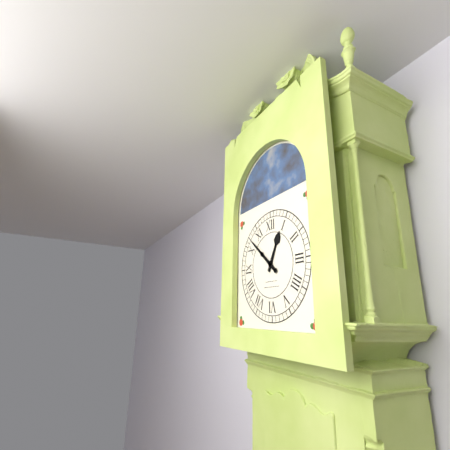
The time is h=12 m=52
